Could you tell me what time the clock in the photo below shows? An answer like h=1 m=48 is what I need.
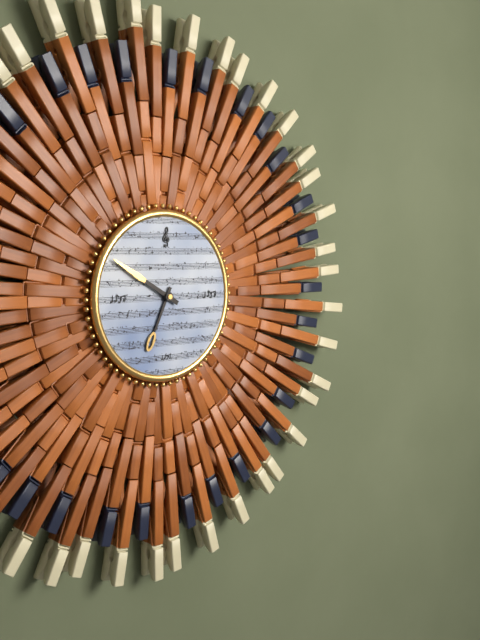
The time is h=6 m=50
